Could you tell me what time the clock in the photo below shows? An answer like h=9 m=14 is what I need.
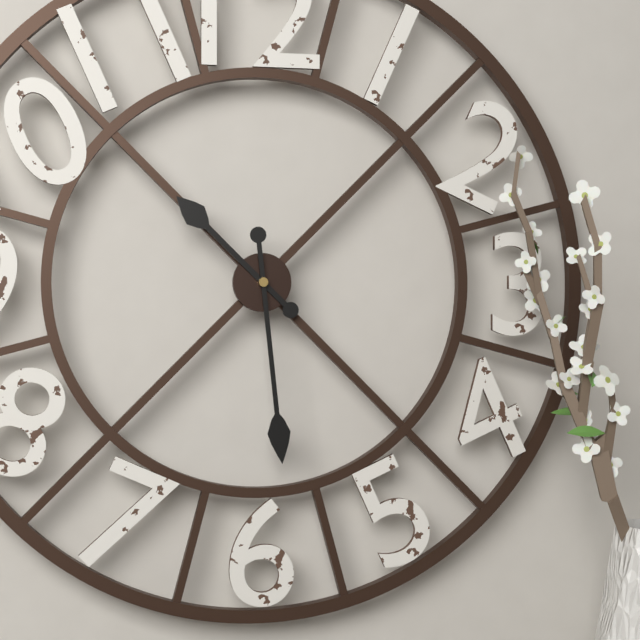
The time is h=10 m=29
